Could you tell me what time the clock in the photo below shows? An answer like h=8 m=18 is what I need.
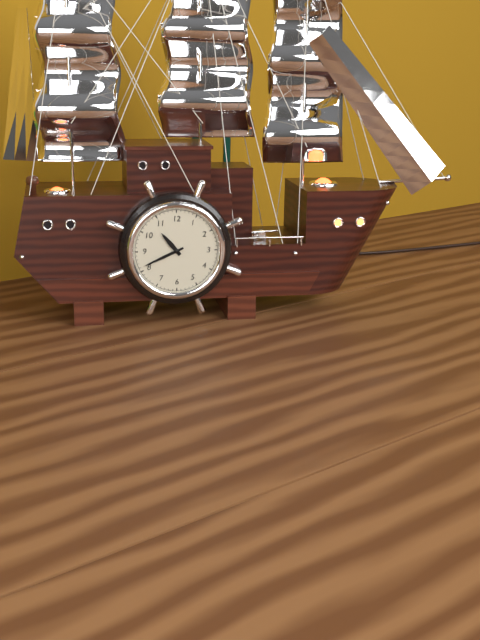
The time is h=10 m=41
